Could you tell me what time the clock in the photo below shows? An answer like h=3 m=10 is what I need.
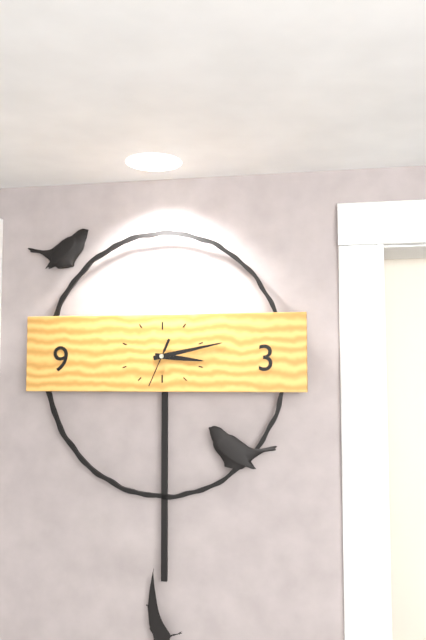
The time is h=3 m=13
